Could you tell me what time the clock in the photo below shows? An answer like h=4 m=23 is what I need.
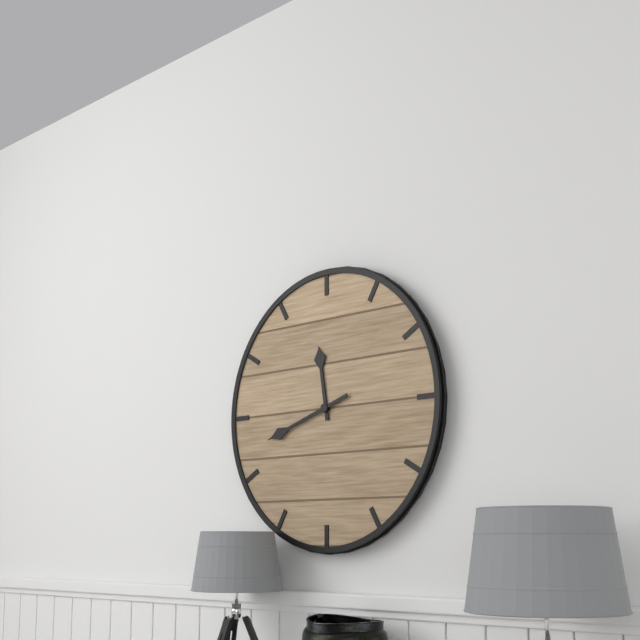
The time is h=11 m=42
